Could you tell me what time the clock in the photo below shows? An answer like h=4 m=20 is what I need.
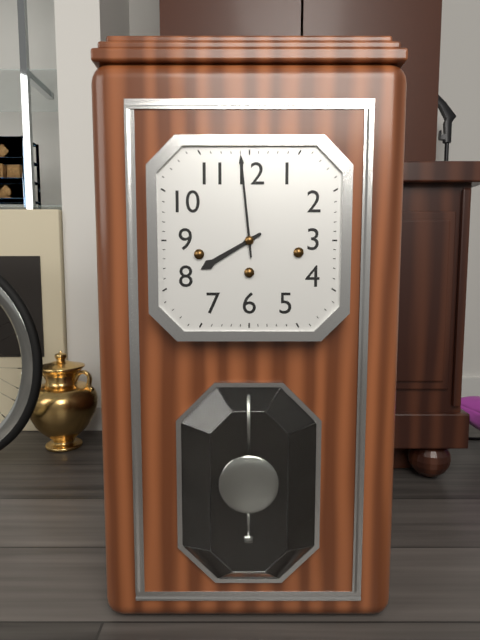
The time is h=7 m=59
